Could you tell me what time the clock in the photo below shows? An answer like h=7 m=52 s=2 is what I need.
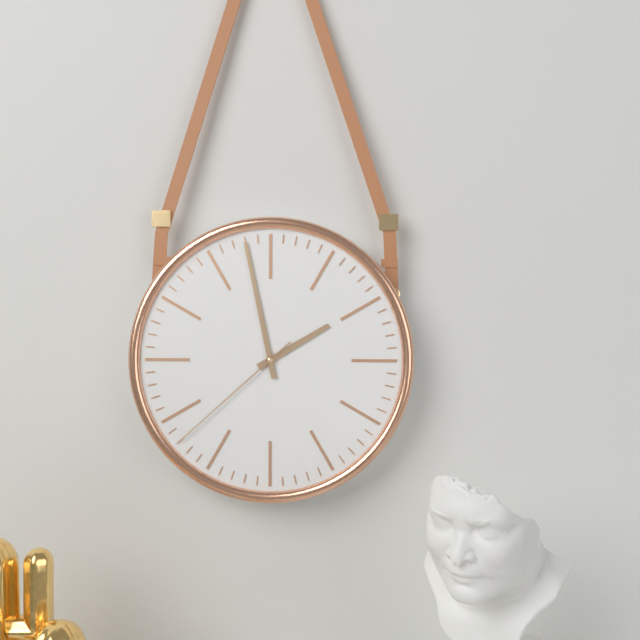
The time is h=1 m=58 s=38
